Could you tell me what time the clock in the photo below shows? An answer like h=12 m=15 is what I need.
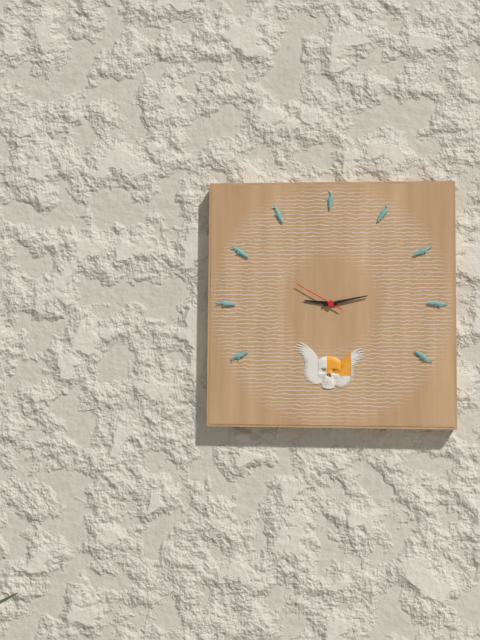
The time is h=9 m=13
